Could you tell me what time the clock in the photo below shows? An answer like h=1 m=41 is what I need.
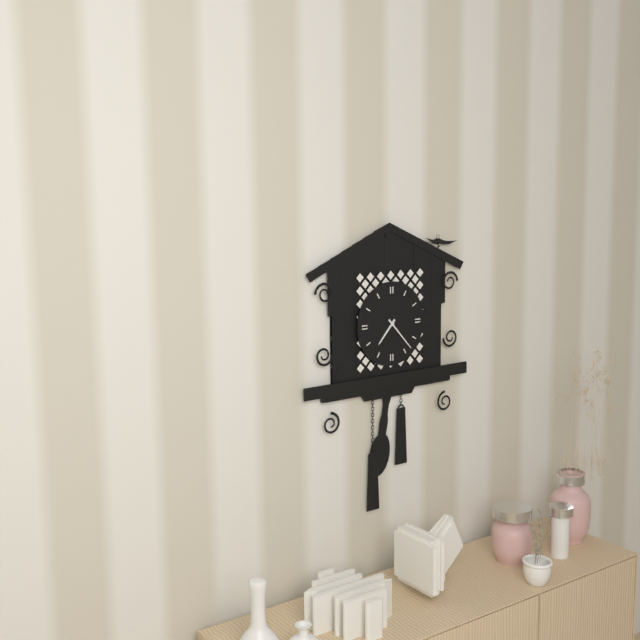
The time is h=7 m=23
